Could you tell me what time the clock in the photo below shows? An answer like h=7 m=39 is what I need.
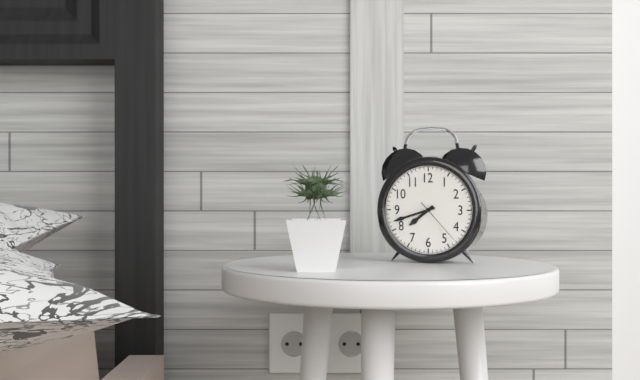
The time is h=7 m=42
